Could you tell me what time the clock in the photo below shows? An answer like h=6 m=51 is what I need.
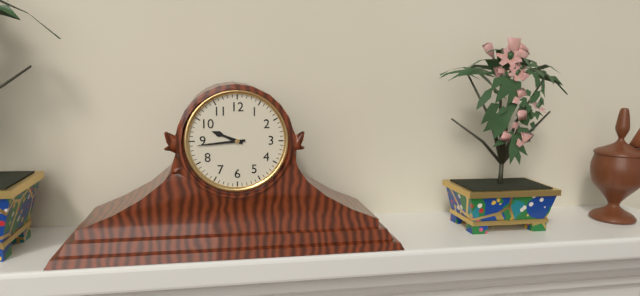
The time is h=9 m=44
